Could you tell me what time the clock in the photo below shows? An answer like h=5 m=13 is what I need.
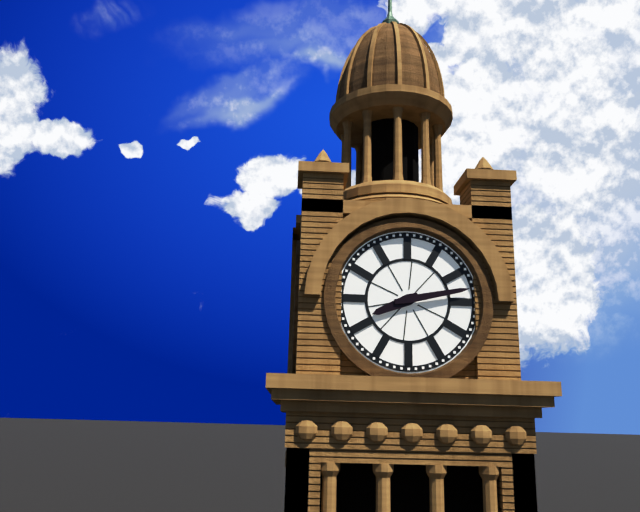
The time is h=8 m=13
